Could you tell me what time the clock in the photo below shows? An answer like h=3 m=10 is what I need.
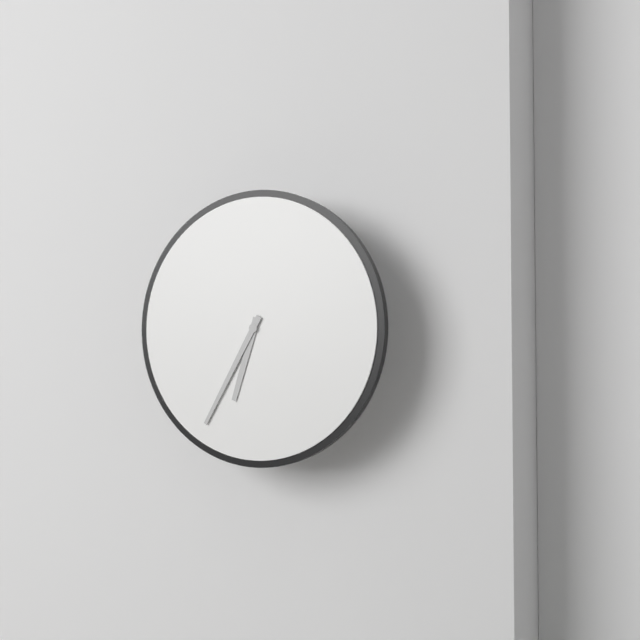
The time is h=6 m=35
